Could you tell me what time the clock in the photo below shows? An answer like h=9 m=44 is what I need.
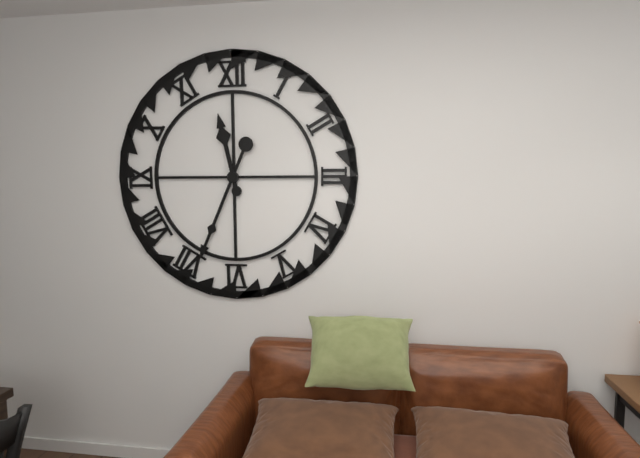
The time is h=11 m=34
